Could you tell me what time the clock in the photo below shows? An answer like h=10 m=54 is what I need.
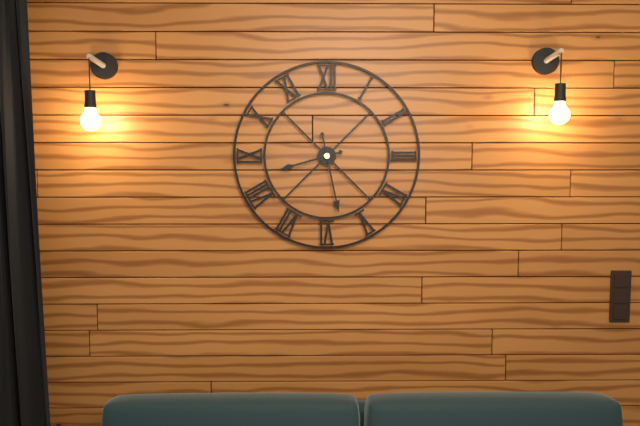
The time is h=8 m=28
